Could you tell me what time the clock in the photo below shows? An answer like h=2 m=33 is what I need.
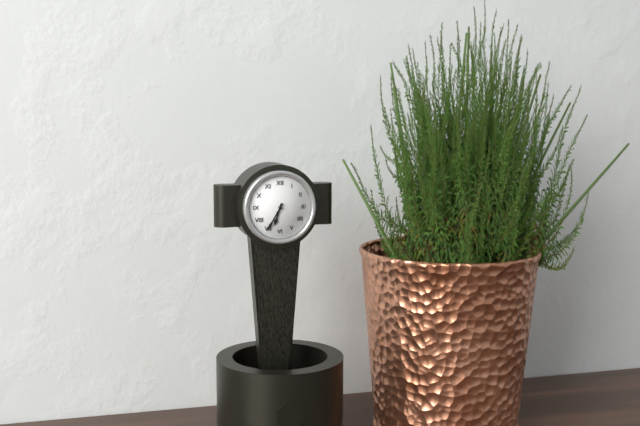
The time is h=6 m=35
